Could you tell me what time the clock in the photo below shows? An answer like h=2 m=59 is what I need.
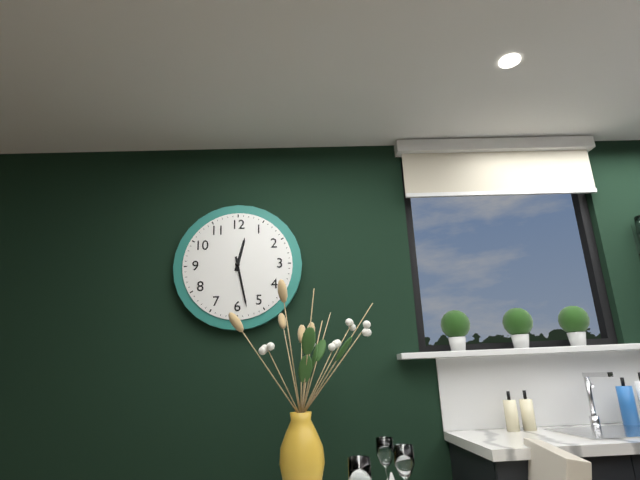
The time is h=12 m=28
